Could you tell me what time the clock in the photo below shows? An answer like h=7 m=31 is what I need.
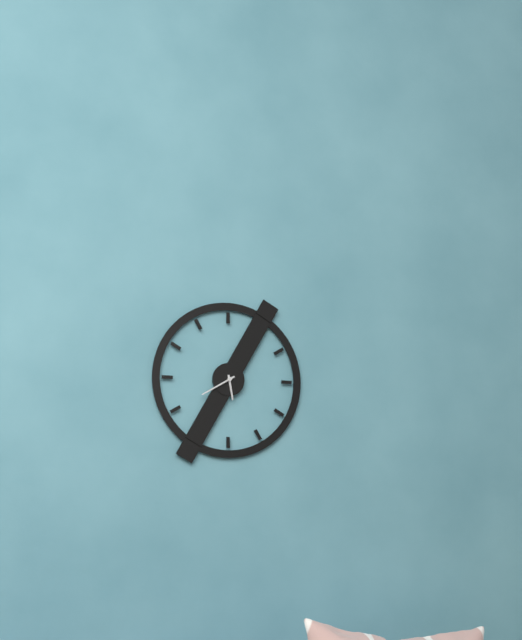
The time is h=5 m=40
